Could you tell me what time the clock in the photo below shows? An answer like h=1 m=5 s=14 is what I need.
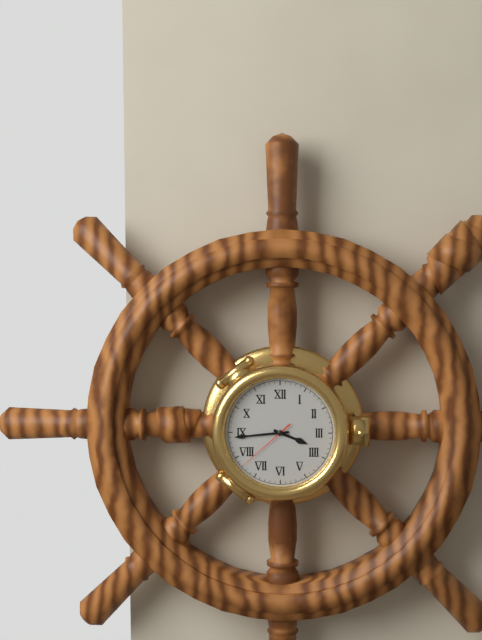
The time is h=3 m=44 s=38
